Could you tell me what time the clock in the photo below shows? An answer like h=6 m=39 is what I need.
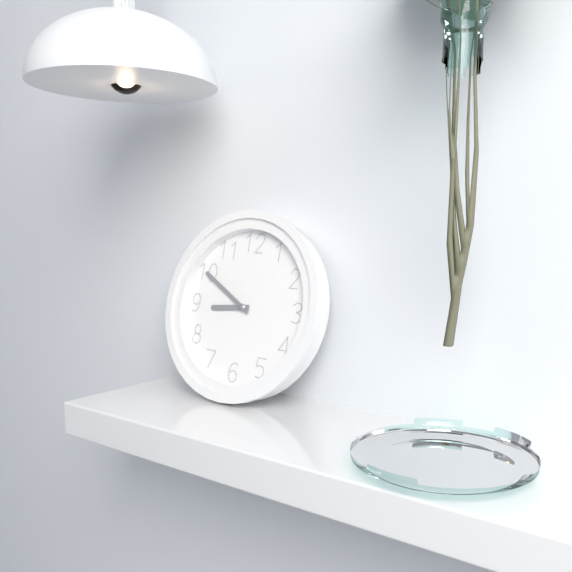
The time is h=8 m=50
